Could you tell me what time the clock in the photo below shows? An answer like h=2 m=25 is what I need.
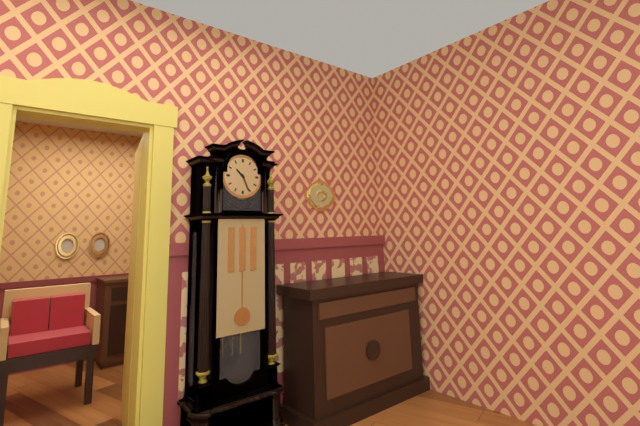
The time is h=10 m=26
